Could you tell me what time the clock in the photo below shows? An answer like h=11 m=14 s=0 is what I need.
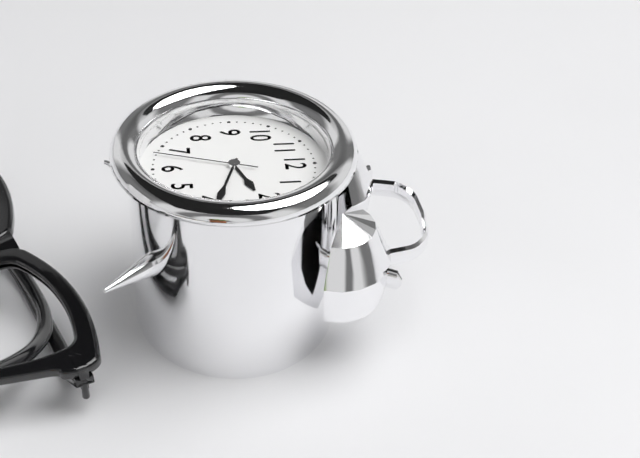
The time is h=2 m=18 s=33
